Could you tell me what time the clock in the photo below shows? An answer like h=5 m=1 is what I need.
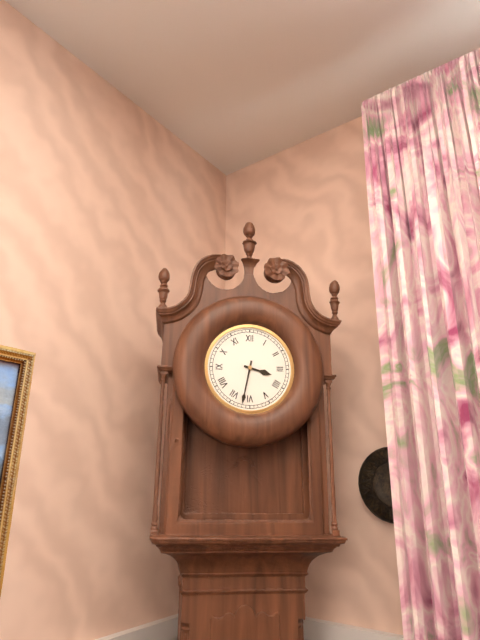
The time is h=3 m=32
